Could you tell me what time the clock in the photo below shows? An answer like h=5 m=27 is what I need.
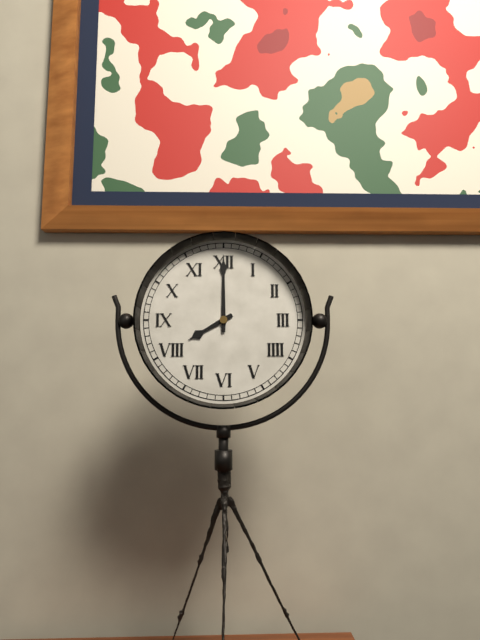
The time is h=8 m=0
